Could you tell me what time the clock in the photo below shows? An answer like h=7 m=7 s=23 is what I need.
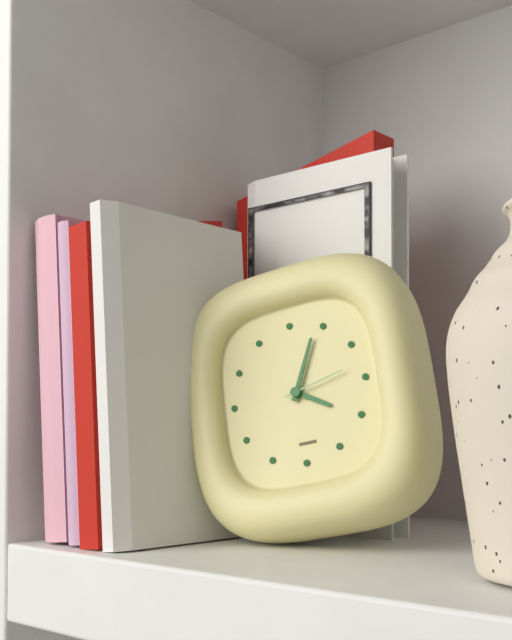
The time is h=4 m=4 s=13
